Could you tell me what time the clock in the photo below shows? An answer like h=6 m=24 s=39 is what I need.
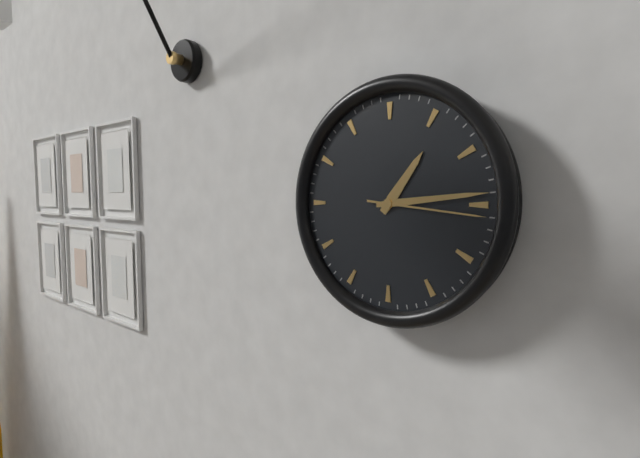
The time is h=1 m=14 s=16
